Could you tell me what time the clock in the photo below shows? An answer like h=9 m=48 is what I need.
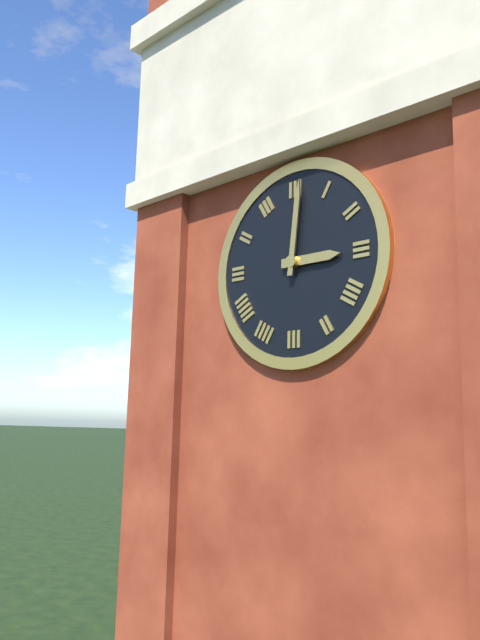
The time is h=3 m=1
